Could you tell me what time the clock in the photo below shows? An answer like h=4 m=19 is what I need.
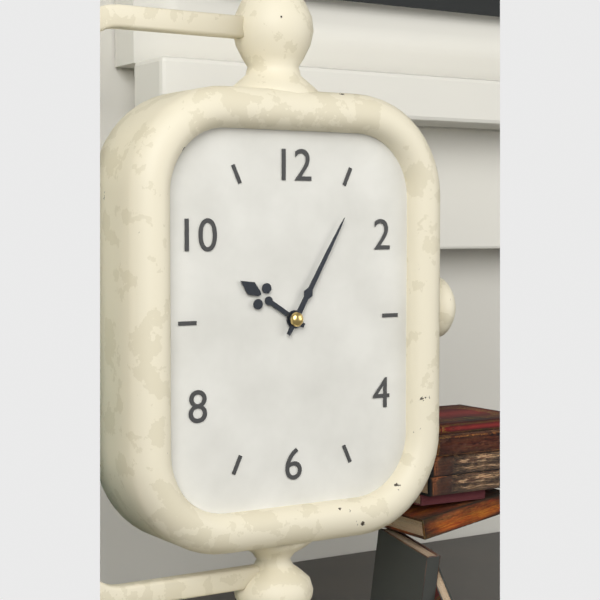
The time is h=10 m=5
